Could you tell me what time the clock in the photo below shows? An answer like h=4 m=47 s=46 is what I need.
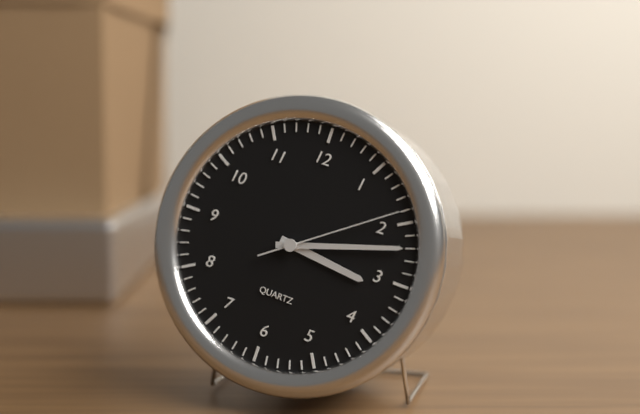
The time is h=3 m=12 s=9
